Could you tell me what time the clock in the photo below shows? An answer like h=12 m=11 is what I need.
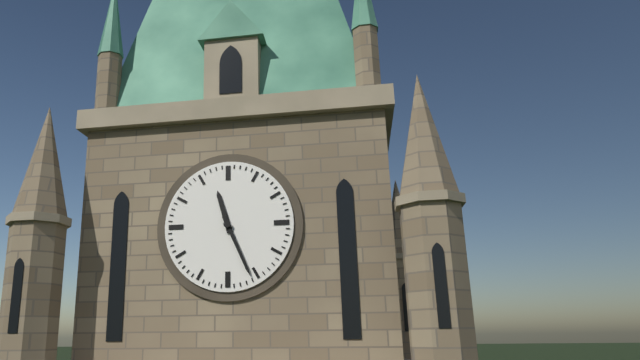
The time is h=11 m=26
